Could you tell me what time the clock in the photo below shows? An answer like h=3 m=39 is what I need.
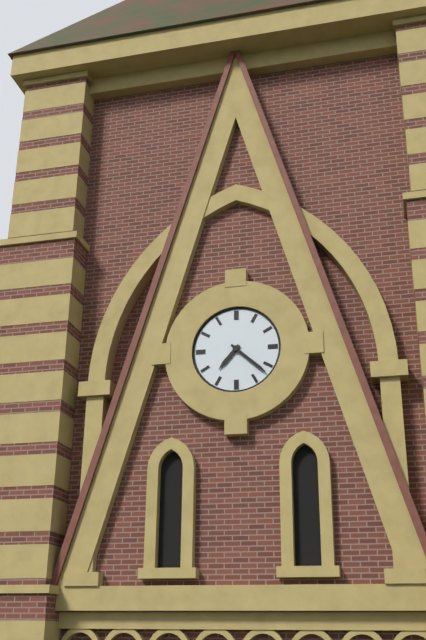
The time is h=7 m=22
